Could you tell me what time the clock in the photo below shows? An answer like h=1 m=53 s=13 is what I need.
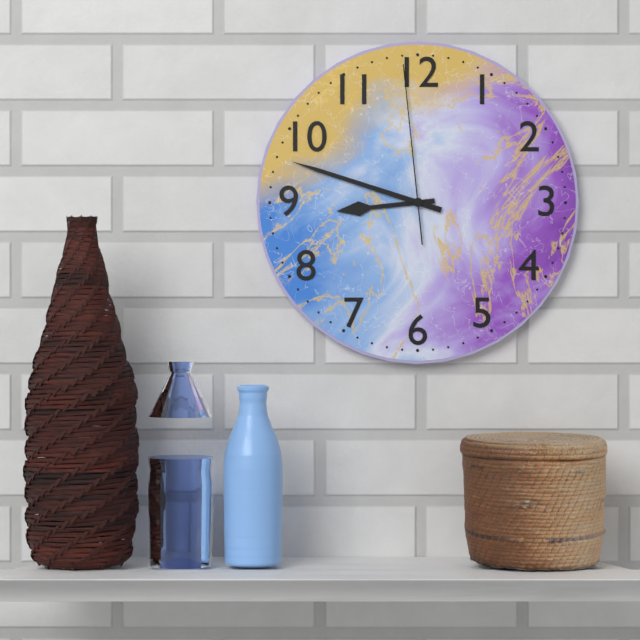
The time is h=8 m=48 s=59
